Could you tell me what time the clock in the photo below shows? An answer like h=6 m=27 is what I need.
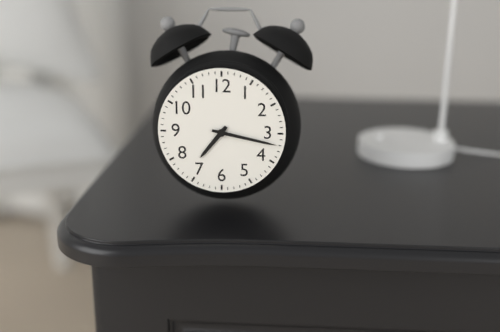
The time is h=7 m=17
